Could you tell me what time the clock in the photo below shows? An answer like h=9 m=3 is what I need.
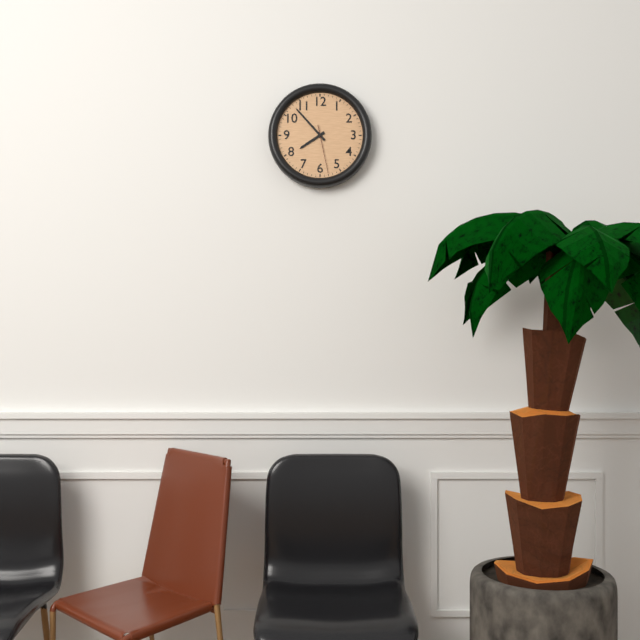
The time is h=7 m=53
